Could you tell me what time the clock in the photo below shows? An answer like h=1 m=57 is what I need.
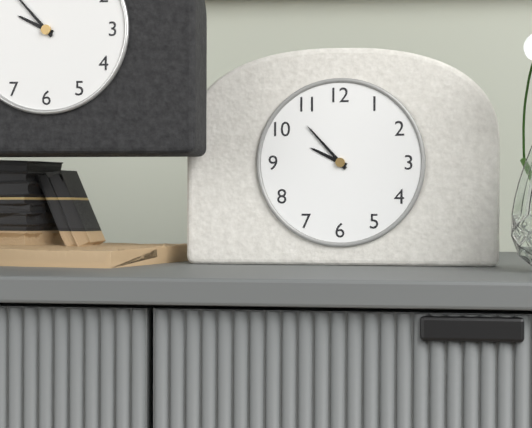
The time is h=9 m=53
